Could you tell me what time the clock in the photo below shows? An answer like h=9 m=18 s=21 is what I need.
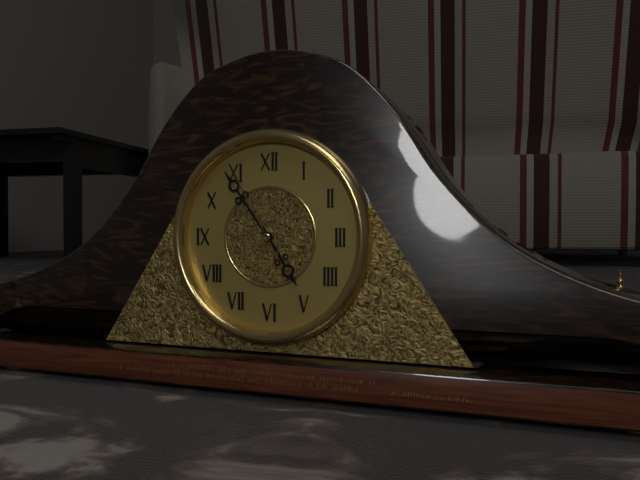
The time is h=4 m=54 s=55
